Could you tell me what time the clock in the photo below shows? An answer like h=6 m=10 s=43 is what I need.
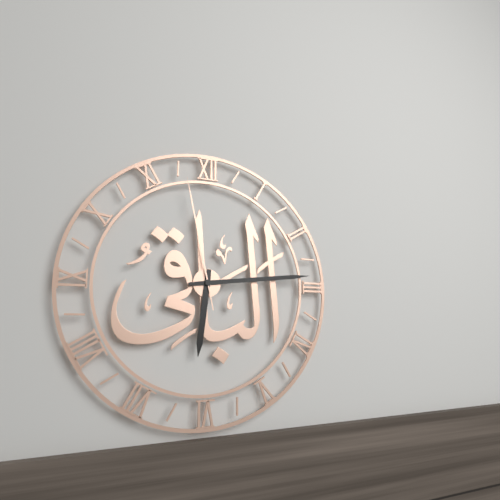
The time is h=6 m=14 s=58
